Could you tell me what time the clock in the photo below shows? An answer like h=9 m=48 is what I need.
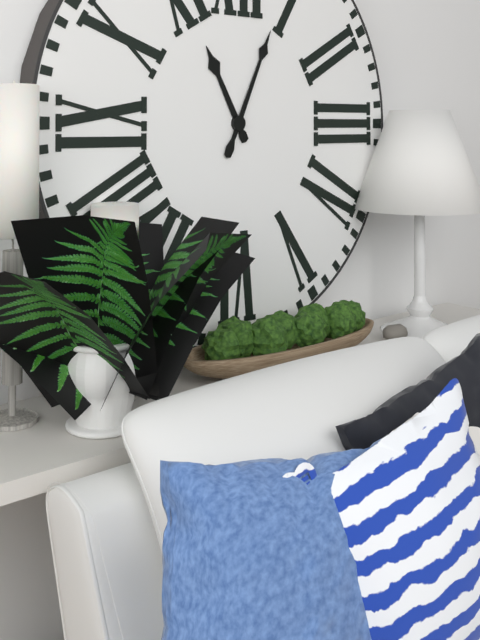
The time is h=11 m=4
